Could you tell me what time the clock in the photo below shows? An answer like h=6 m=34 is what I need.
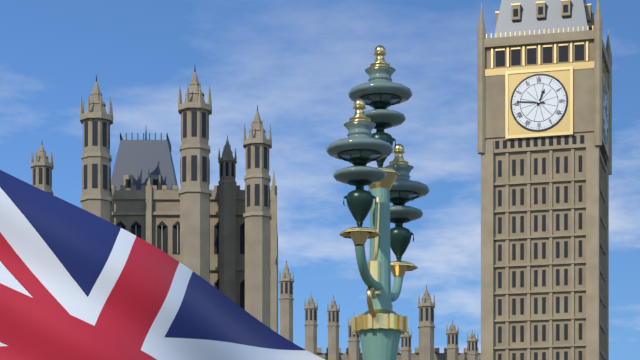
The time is h=12 m=46
